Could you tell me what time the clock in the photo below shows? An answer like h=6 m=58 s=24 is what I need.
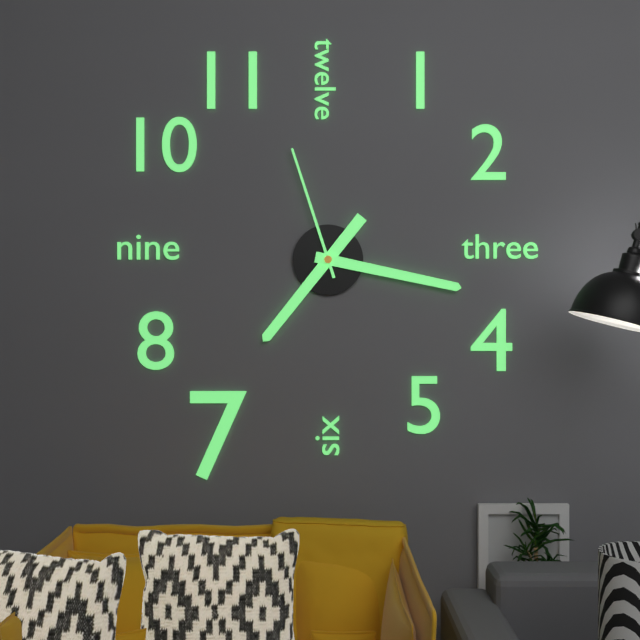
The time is h=7 m=17 s=57
